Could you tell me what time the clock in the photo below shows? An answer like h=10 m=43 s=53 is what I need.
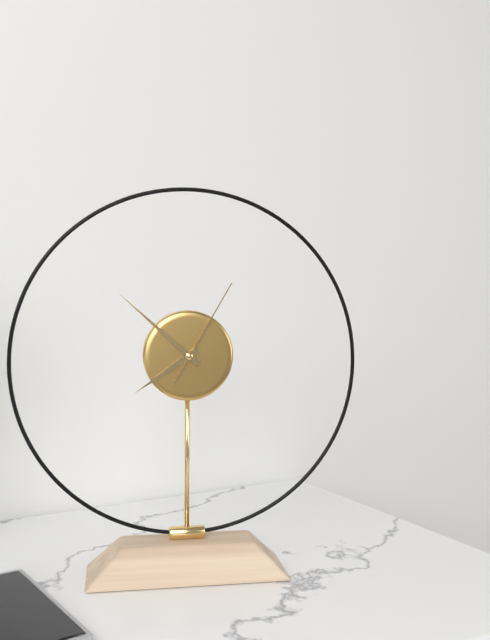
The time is h=7 m=52 s=5
